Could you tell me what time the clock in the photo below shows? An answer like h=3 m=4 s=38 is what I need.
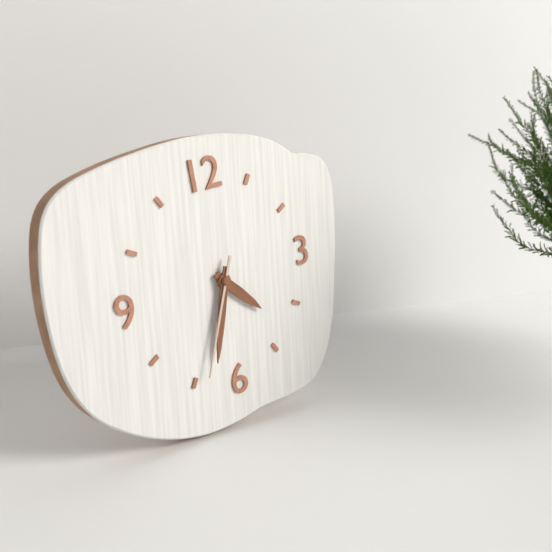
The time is h=4 m=33 s=34
